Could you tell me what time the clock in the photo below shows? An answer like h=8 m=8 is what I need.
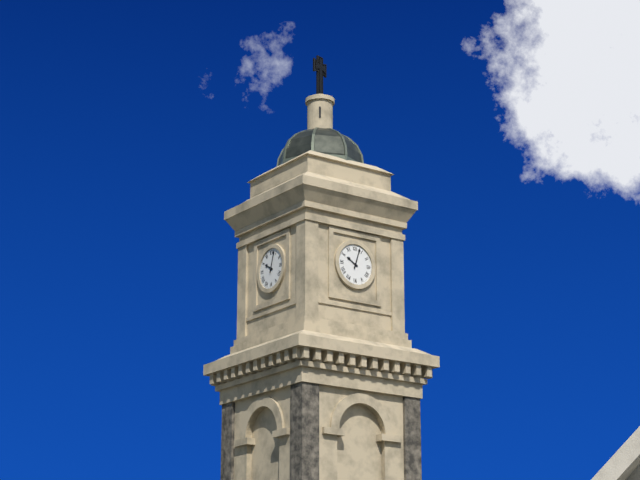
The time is h=10 m=3
